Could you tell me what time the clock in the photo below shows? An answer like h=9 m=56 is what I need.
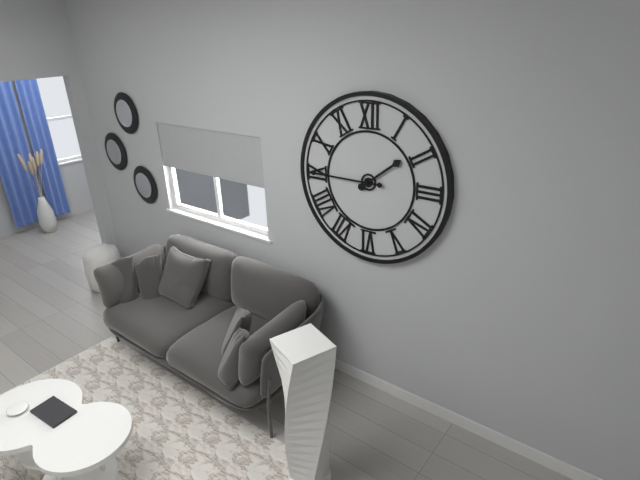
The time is h=1 m=45
